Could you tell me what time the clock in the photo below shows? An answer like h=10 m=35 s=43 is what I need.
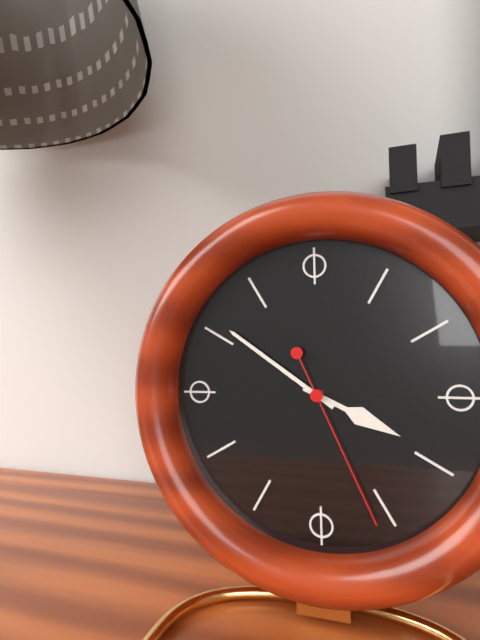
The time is h=3 m=51 s=26
